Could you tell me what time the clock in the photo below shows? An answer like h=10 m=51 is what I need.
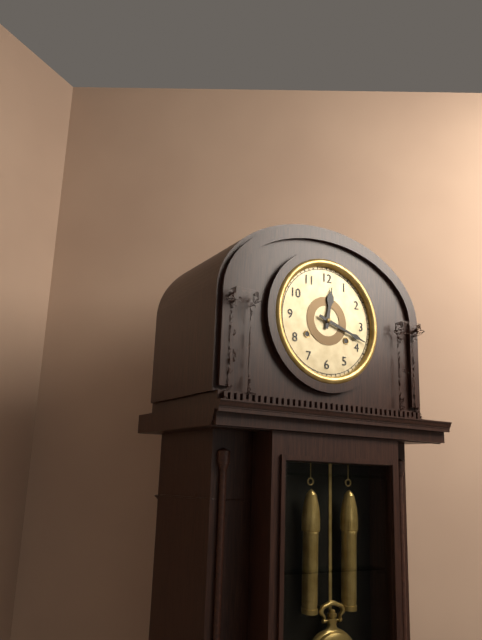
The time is h=12 m=18
